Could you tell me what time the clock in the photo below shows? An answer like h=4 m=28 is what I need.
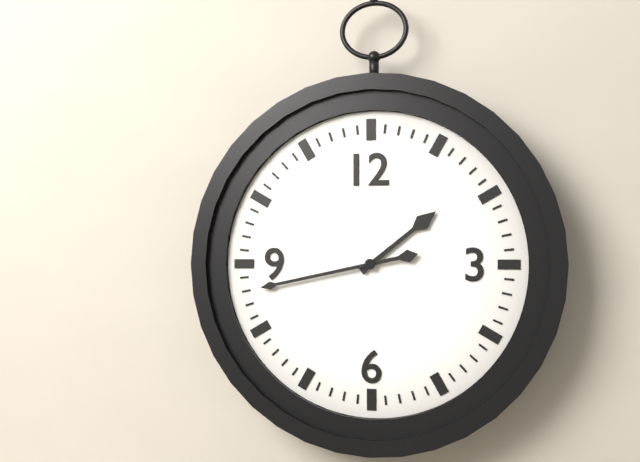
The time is h=1 m=43
